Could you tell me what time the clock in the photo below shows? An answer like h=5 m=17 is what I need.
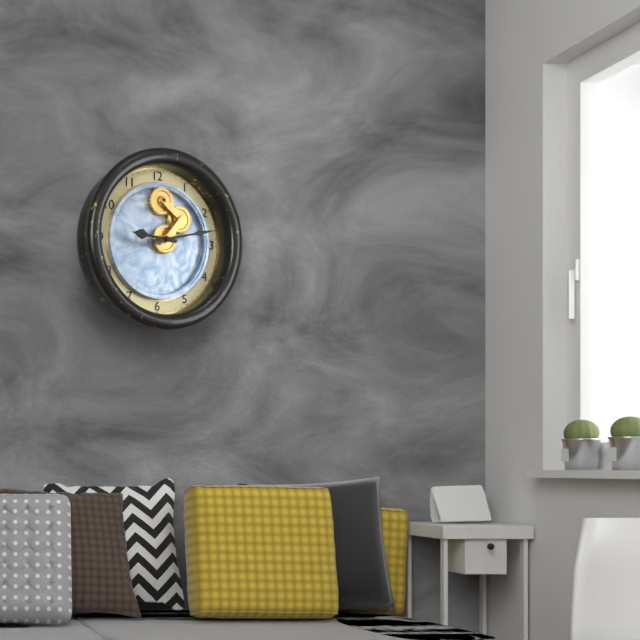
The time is h=9 m=13
